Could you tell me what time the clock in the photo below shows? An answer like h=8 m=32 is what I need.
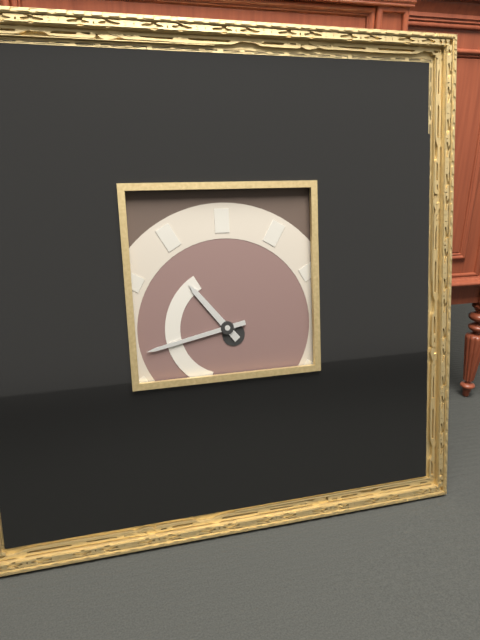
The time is h=10 m=43
